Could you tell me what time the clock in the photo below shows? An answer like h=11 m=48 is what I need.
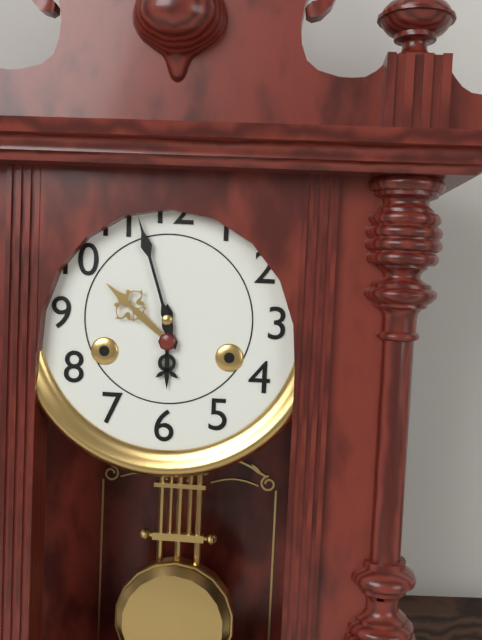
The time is h=5 m=57
